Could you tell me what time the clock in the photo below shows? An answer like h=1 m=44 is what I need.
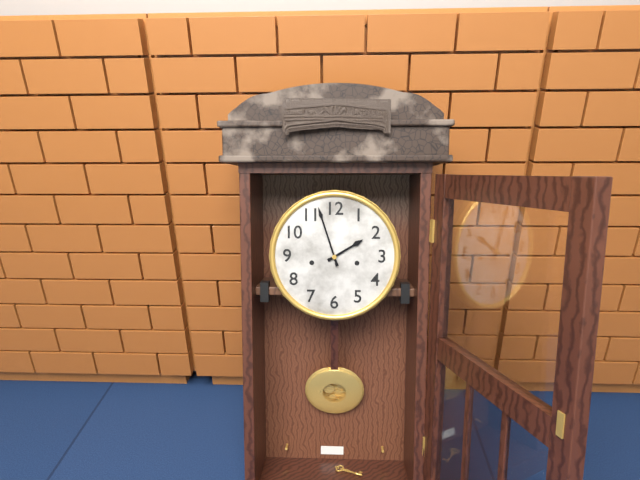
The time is h=1 m=57
